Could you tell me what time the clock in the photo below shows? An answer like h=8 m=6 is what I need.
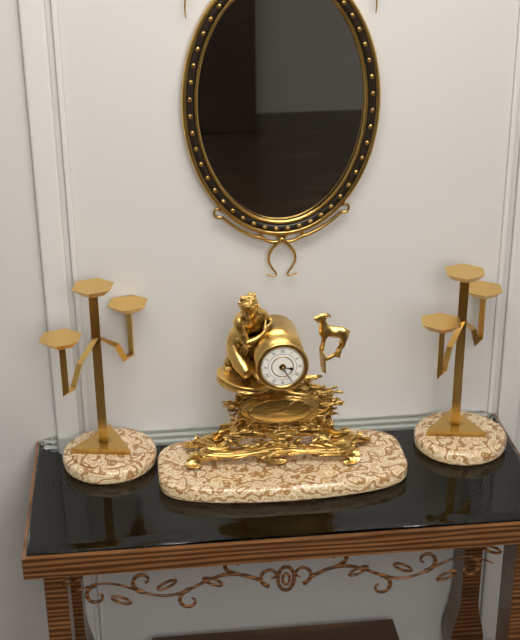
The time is h=3 m=25
